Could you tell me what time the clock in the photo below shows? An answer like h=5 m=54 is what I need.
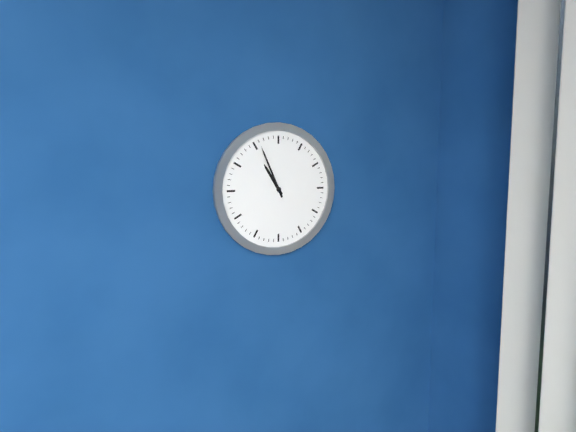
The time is h=10 m=56
